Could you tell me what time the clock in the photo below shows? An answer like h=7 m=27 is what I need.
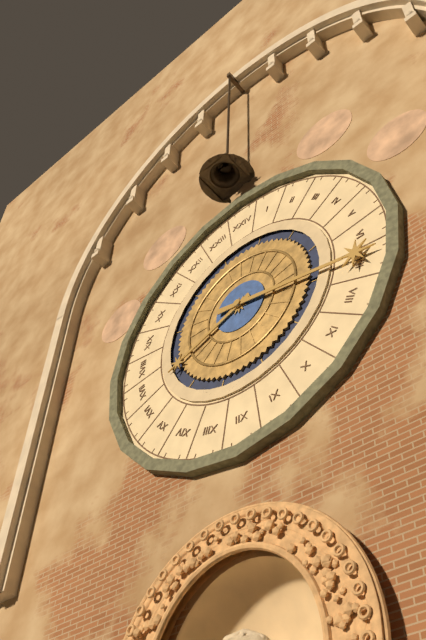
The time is h=8 m=17
